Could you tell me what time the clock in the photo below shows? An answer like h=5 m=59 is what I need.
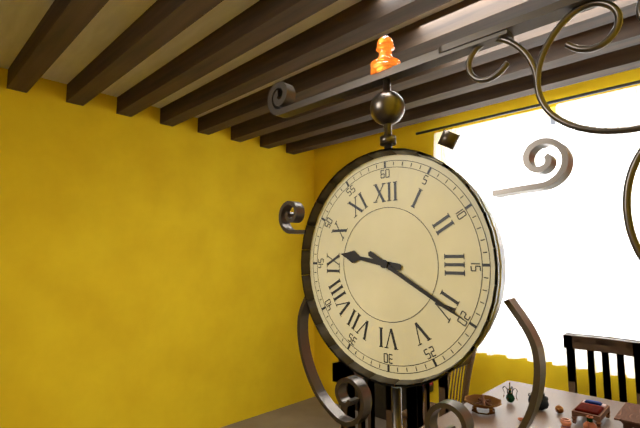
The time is h=9 m=20
